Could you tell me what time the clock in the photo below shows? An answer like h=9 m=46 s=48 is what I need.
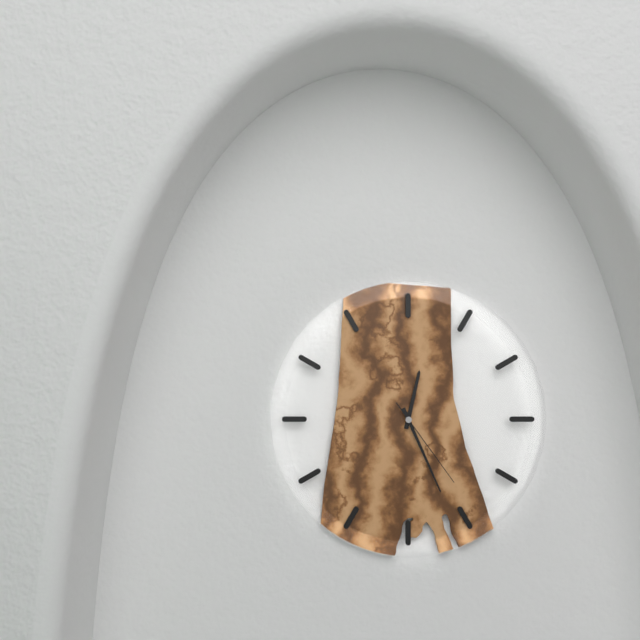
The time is h=12 m=26 s=24
